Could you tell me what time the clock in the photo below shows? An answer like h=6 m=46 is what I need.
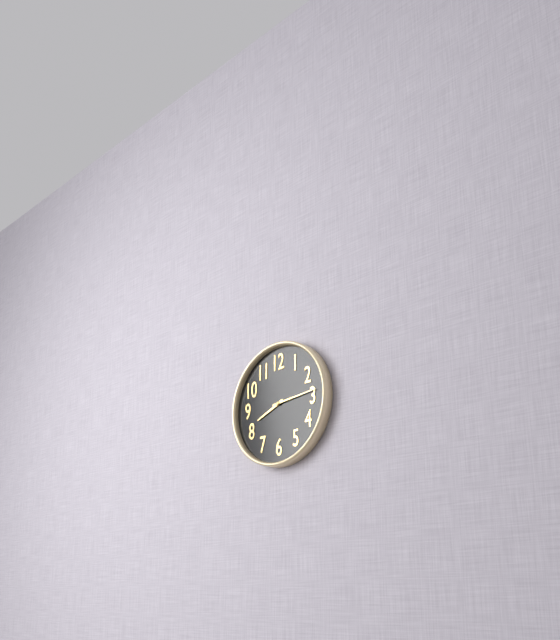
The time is h=8 m=14
